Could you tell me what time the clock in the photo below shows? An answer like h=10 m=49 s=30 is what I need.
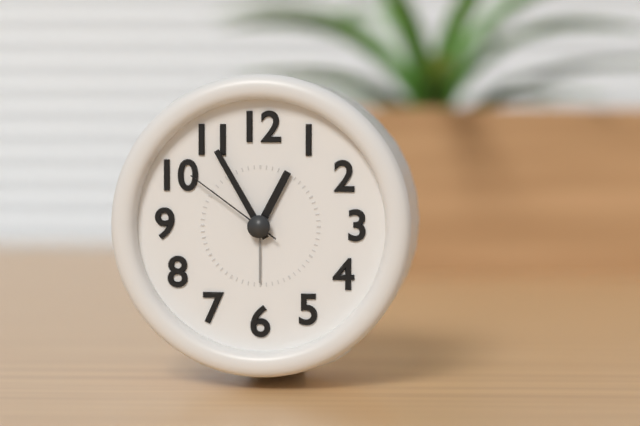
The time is h=12 m=55 s=51
